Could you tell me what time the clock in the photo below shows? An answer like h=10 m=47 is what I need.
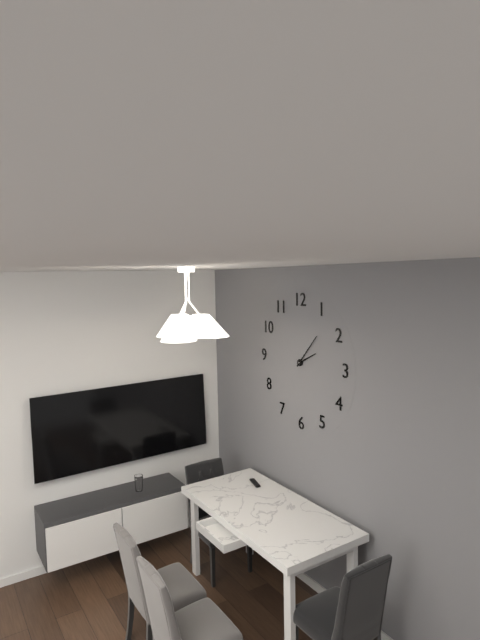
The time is h=2 m=7
